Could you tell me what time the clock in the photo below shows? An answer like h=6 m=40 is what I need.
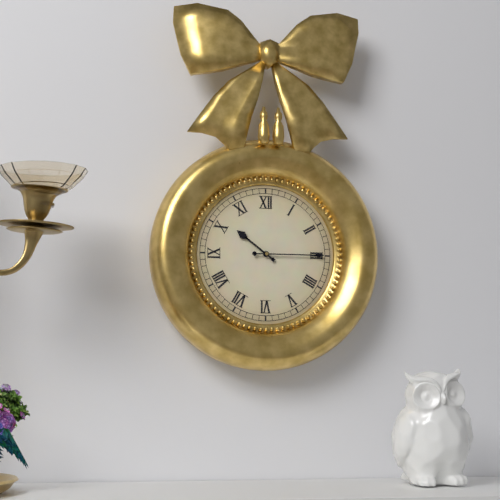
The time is h=10 m=15
